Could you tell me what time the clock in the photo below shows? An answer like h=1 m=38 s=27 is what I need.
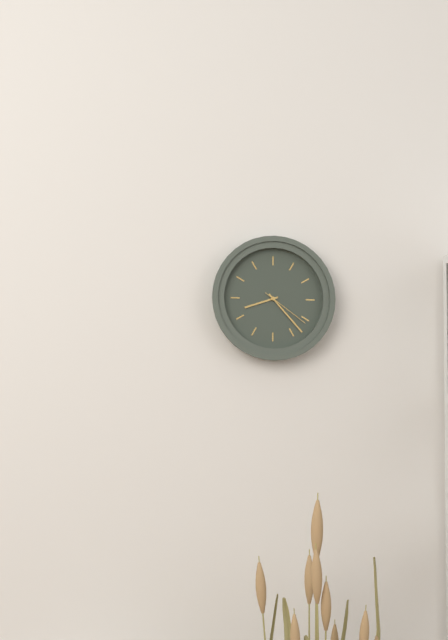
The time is h=8 m=23 s=21
